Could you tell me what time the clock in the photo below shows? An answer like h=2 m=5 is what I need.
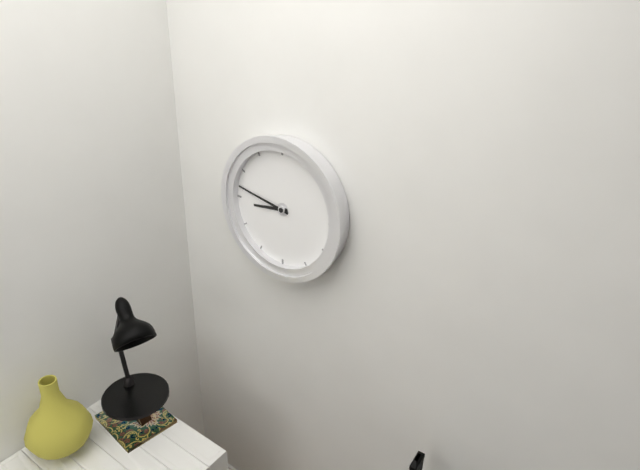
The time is h=8 m=47
